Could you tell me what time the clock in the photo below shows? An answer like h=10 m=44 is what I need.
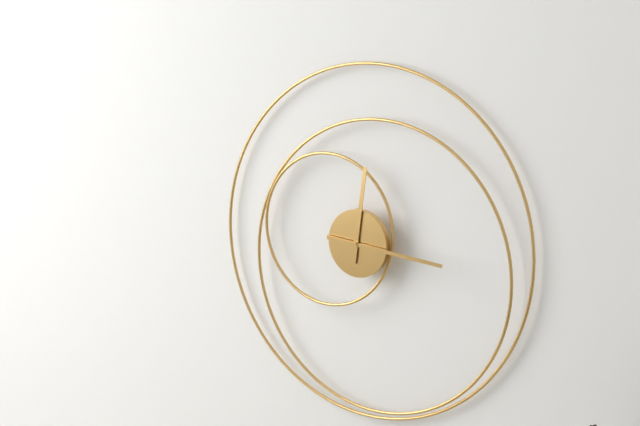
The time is h=12 m=16
